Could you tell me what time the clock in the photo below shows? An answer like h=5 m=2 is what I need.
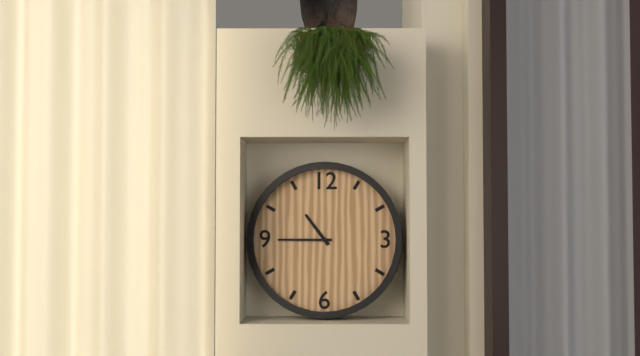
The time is h=10 m=45
